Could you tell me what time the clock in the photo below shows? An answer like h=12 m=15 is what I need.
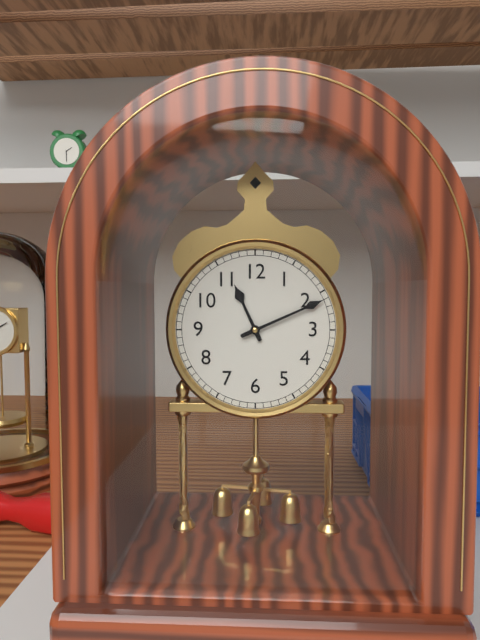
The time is h=11 m=11
